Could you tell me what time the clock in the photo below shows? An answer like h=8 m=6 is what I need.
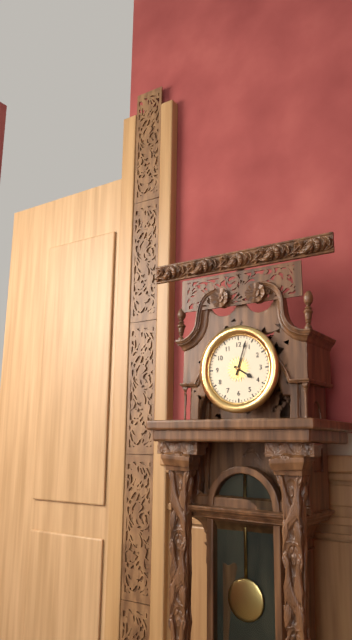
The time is h=4 m=3
